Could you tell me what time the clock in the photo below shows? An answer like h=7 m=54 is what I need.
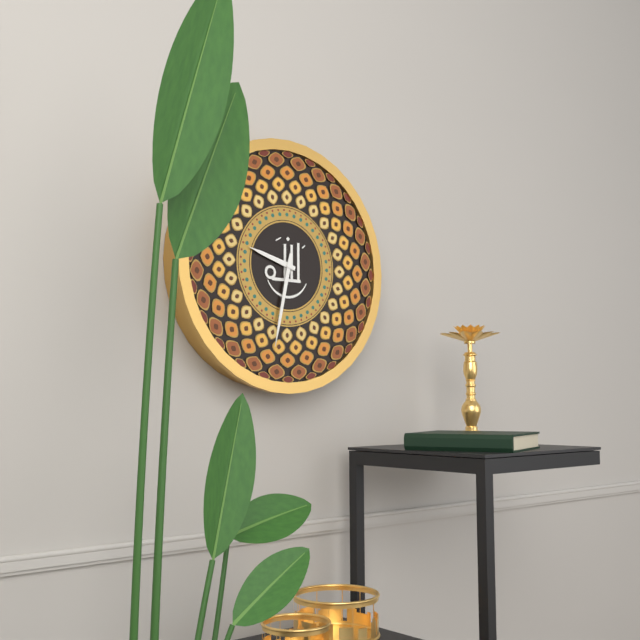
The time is h=9 m=32
